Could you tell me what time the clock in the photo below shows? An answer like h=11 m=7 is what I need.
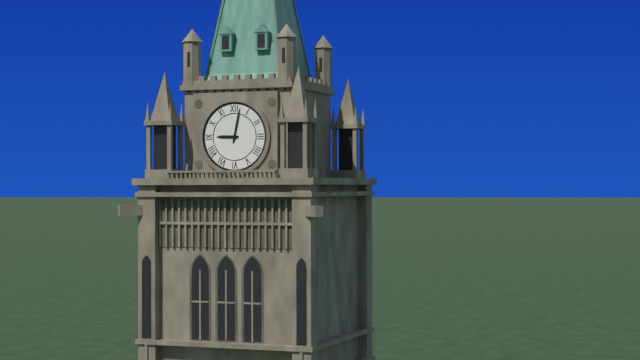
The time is h=9 m=2
